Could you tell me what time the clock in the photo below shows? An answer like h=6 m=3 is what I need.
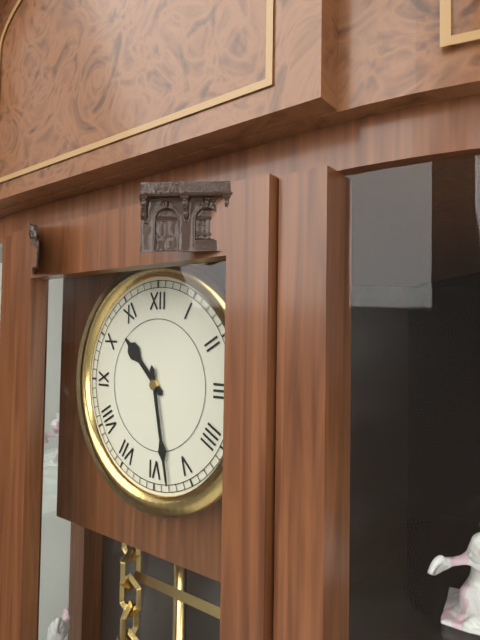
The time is h=10 m=28
